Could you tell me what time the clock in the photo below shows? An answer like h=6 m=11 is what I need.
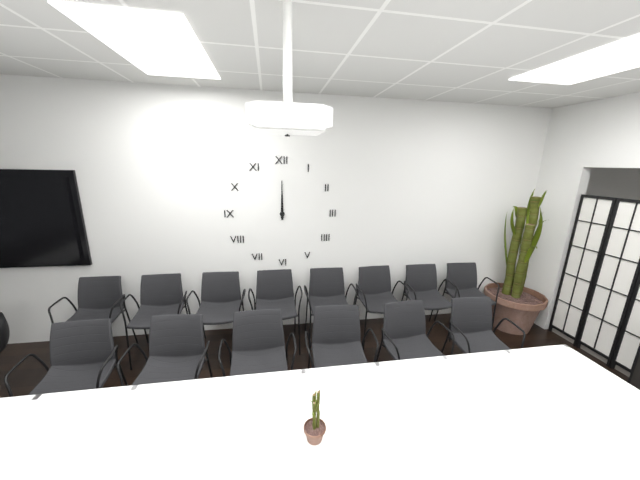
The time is h=12 m=0
